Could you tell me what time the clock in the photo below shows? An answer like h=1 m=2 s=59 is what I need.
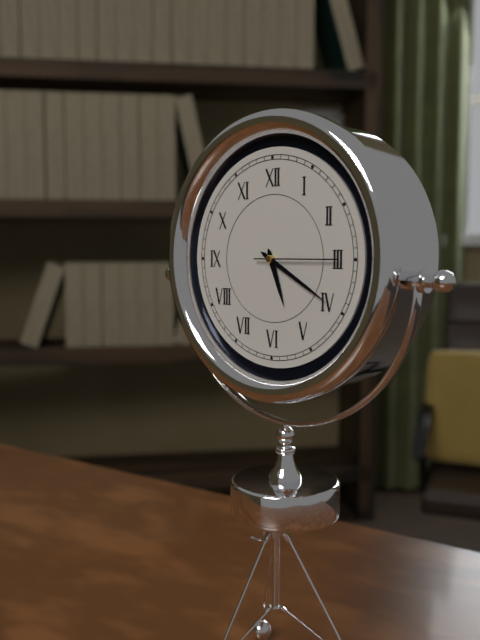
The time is h=5 m=20 s=15
